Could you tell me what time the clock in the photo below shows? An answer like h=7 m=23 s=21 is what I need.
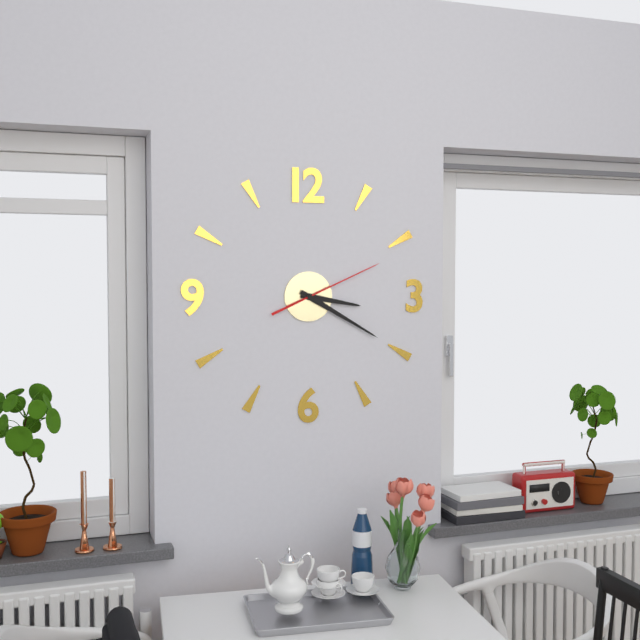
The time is h=3 m=20 s=11
